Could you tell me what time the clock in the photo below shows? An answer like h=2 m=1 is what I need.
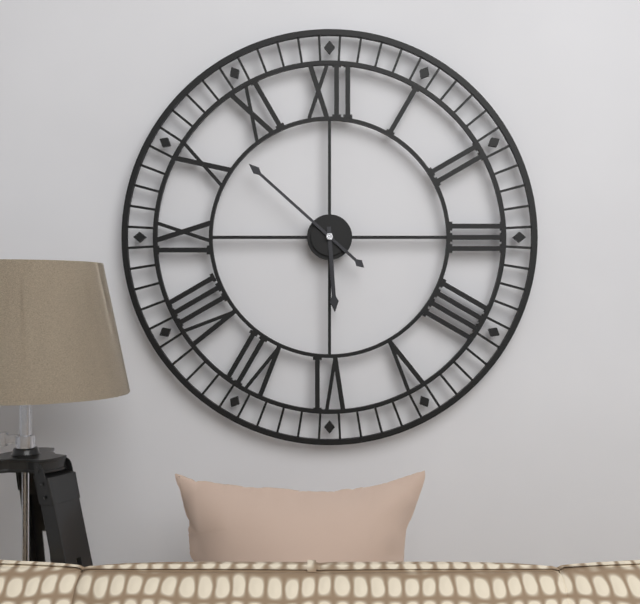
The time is h=5 m=52
